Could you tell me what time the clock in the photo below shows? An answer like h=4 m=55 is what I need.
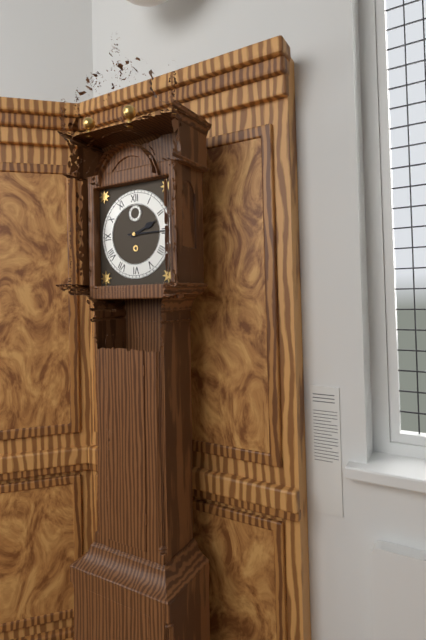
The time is h=2 m=15
